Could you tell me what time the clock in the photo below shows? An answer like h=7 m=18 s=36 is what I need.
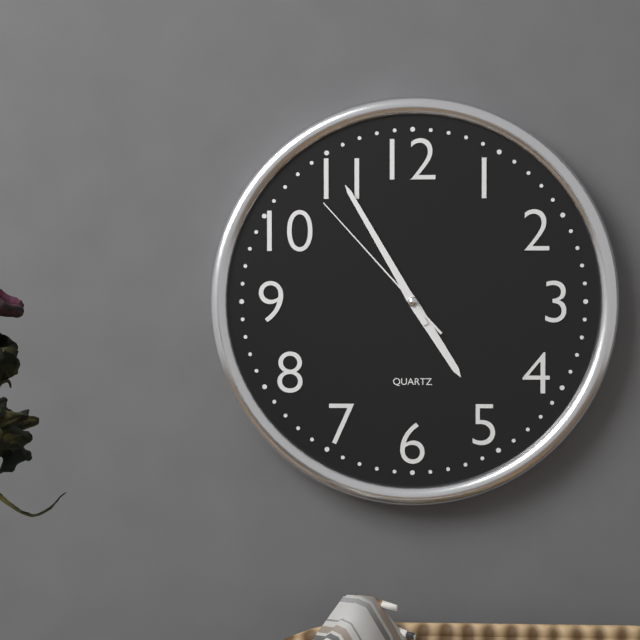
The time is h=4 m=55 s=53
